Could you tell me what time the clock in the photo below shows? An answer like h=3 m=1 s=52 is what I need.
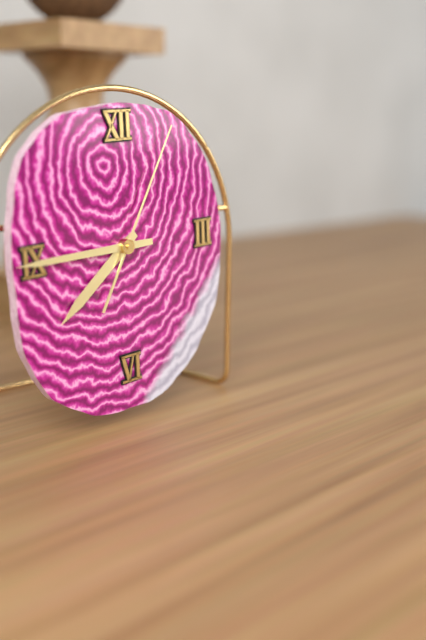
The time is h=7 m=45 s=5
